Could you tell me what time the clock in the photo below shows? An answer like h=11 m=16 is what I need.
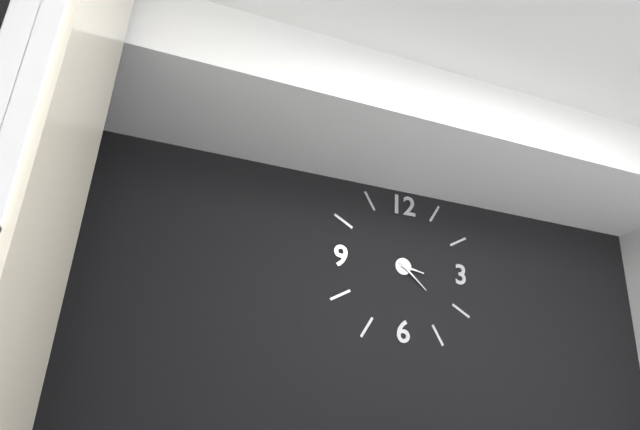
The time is h=3 m=22
